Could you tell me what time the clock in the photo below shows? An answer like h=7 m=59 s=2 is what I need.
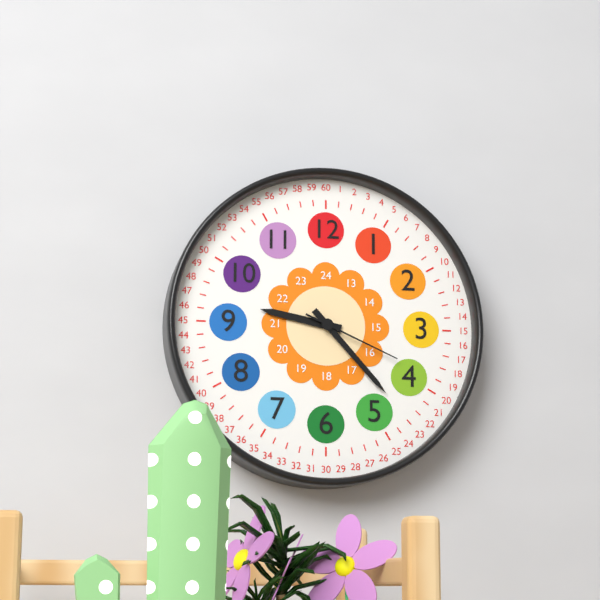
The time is h=9 m=23 s=19
